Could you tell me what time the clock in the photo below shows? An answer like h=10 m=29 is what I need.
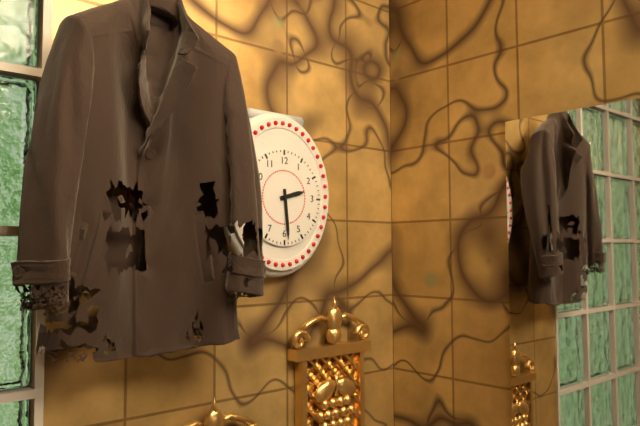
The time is h=2 m=29
